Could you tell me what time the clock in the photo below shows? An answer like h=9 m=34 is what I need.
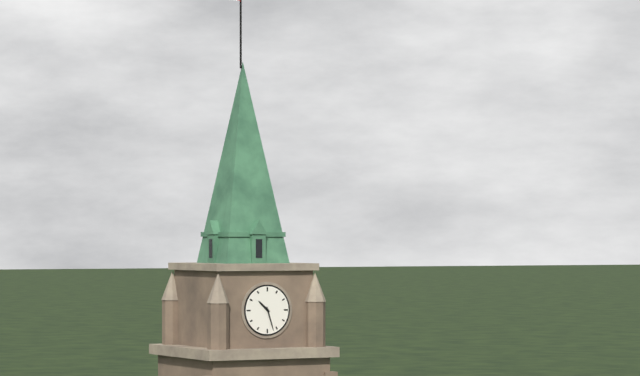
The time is h=10 m=27
